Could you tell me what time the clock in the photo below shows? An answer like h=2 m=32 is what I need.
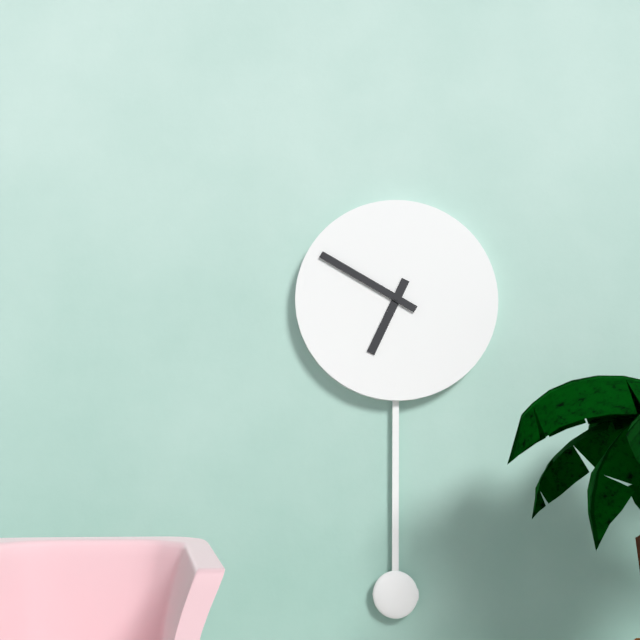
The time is h=6 m=50
